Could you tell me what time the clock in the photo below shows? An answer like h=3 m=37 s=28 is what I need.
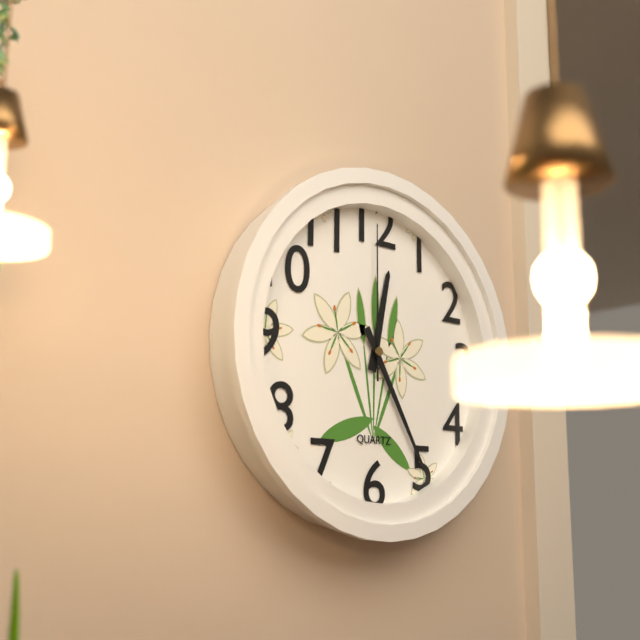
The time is h=12 m=25 s=0
